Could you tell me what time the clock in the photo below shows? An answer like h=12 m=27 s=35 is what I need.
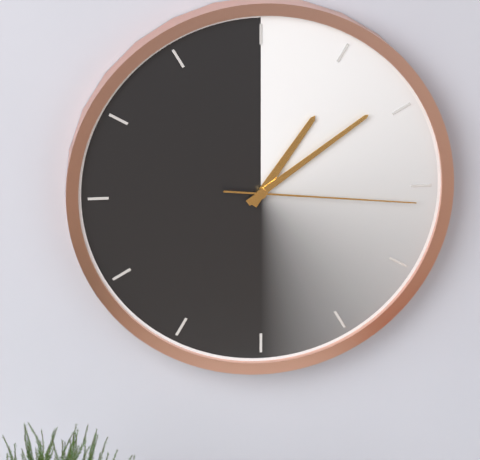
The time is h=1 m=9 s=16
